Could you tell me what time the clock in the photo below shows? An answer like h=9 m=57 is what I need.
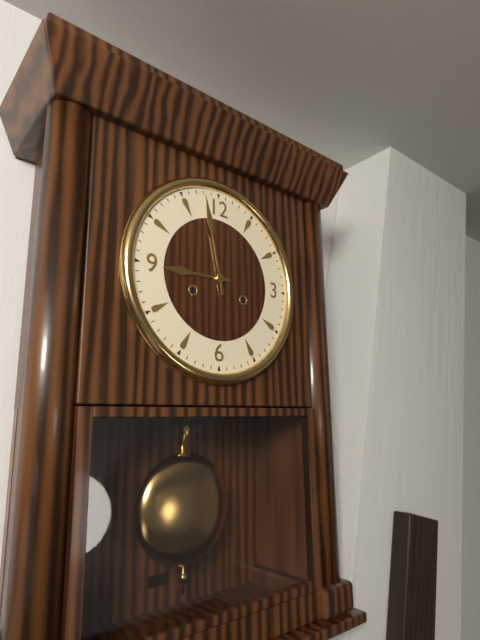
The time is h=8 m=58
